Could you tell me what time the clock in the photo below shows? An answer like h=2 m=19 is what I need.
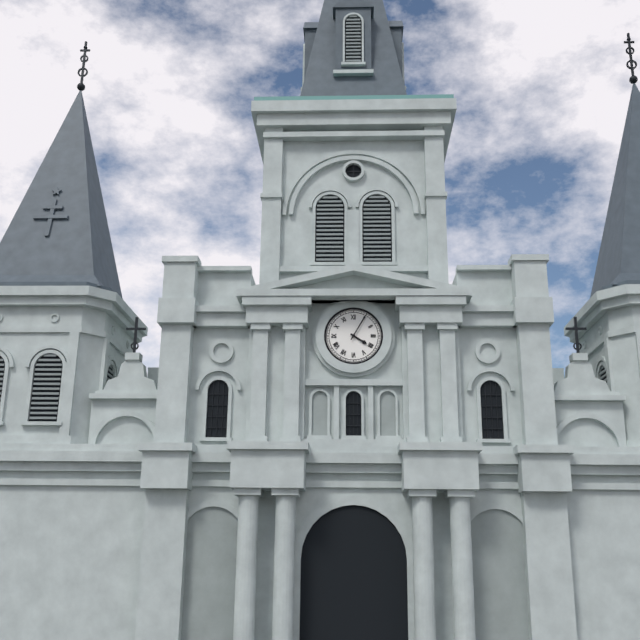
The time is h=4 m=5
